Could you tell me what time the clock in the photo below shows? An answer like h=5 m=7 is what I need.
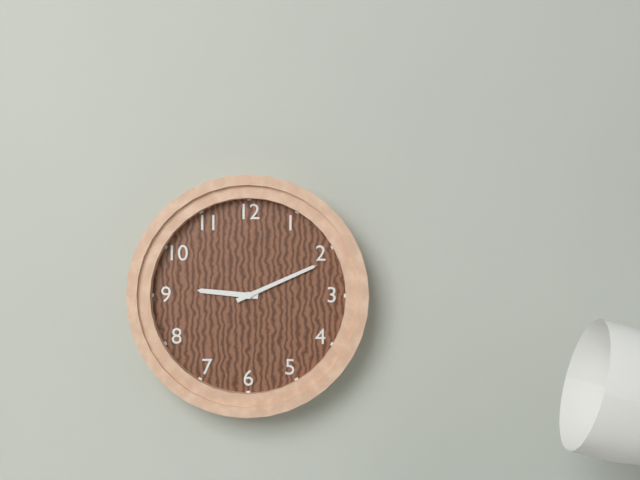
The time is h=9 m=11
